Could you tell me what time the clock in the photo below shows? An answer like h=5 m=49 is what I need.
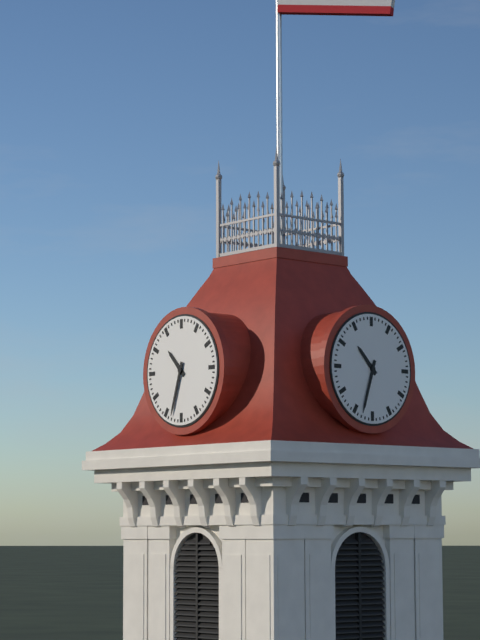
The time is h=10 m=33
